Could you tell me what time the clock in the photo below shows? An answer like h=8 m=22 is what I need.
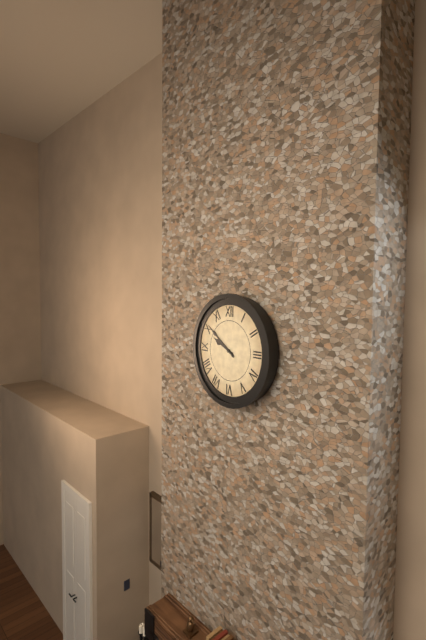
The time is h=9 m=51
